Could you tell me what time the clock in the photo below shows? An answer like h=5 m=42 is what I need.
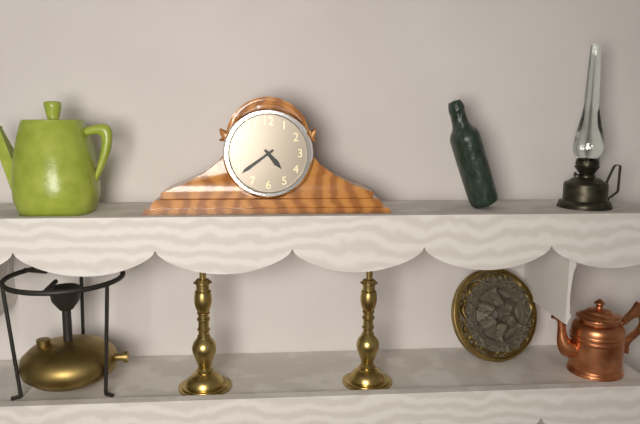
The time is h=4 m=39
